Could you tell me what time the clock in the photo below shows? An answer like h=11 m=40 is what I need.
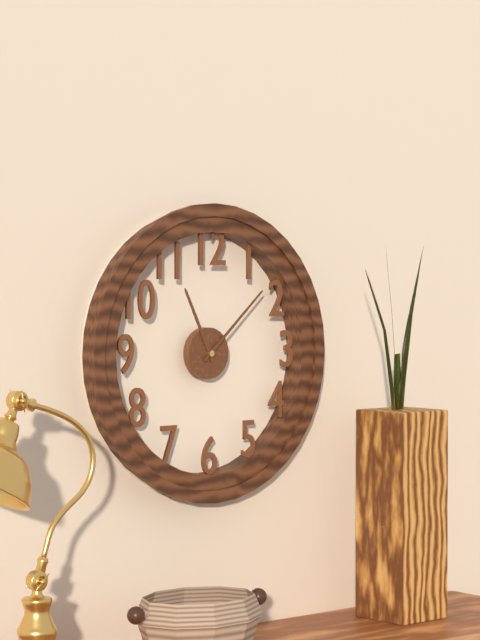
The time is h=11 m=8
